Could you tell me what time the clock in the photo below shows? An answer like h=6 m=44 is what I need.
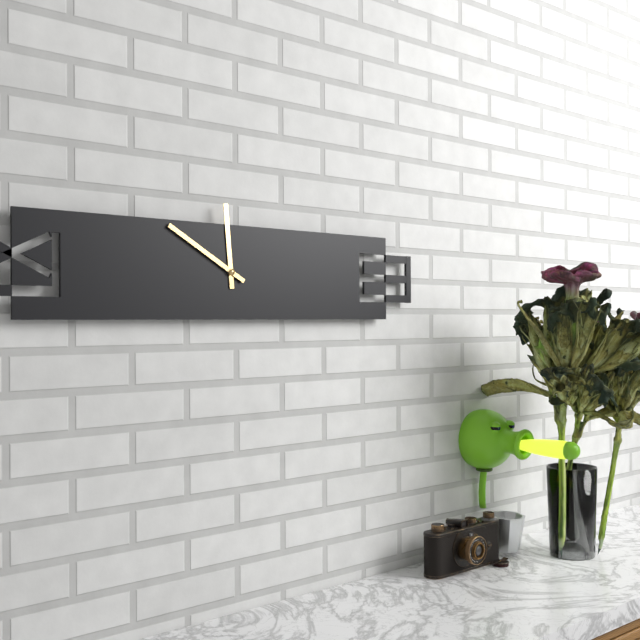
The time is h=11 m=50
